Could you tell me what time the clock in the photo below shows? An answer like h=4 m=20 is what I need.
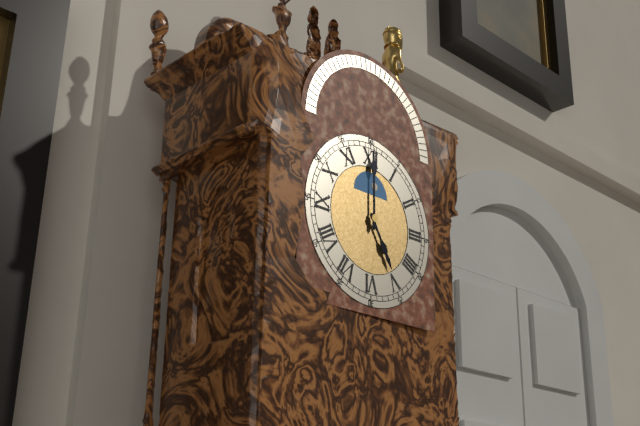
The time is h=5 m=0
